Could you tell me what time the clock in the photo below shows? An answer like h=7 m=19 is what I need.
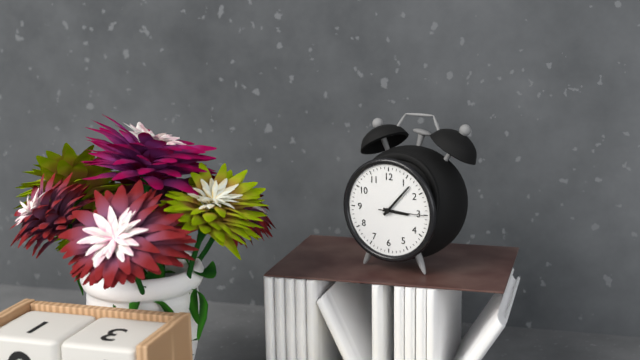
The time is h=3 m=7
